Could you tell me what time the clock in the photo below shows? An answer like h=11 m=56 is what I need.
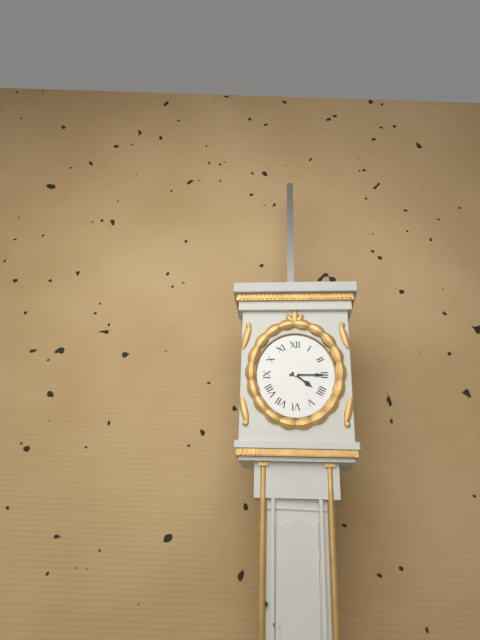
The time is h=4 m=15
